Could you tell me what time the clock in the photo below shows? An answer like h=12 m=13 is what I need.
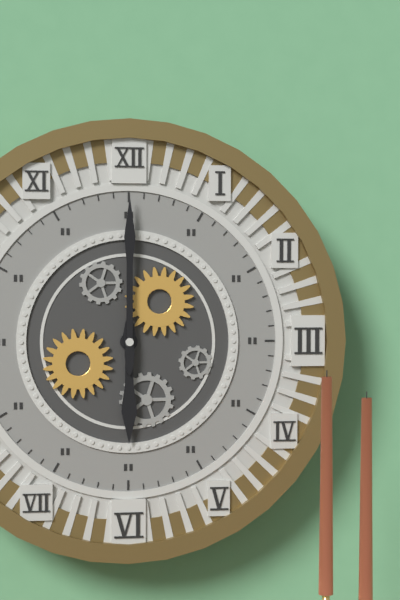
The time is h=6 m=0
